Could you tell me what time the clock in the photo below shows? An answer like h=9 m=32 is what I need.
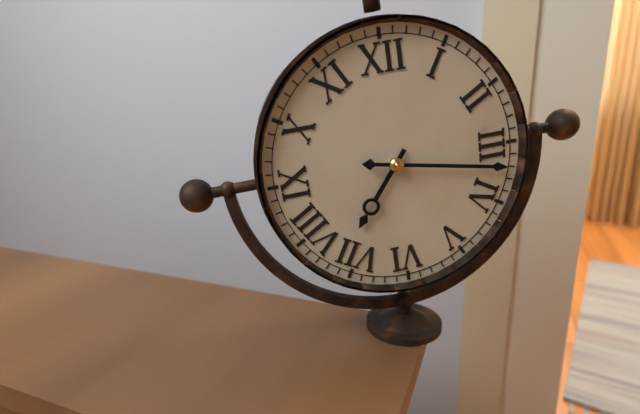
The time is h=7 m=17
